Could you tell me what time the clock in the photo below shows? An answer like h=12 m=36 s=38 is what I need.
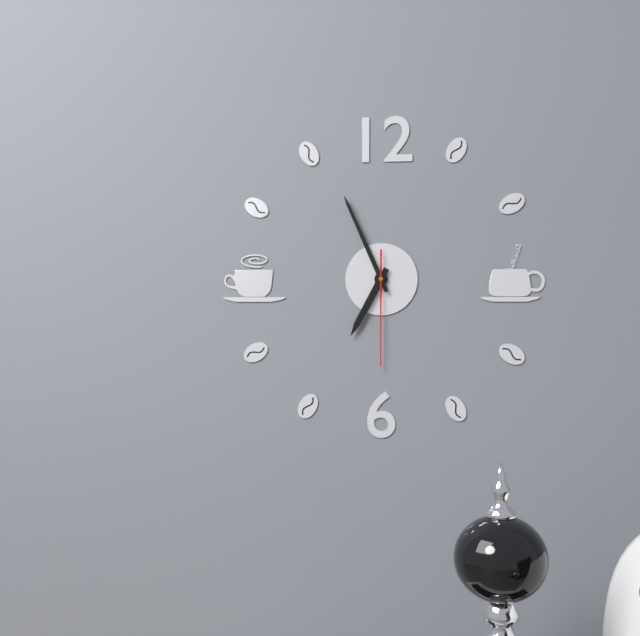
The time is h=6 m=56 s=30
